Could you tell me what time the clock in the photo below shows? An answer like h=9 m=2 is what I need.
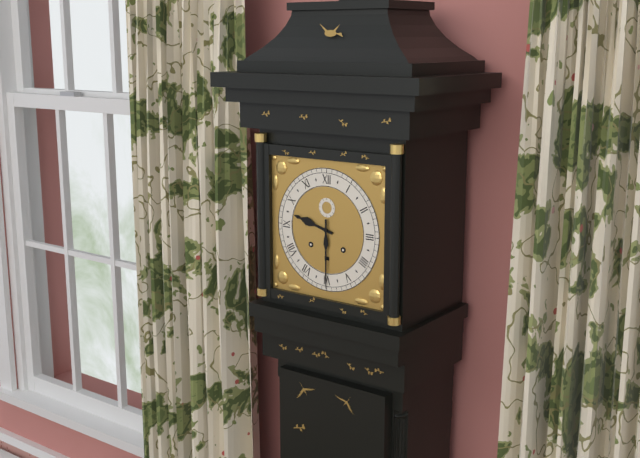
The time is h=9 m=30
